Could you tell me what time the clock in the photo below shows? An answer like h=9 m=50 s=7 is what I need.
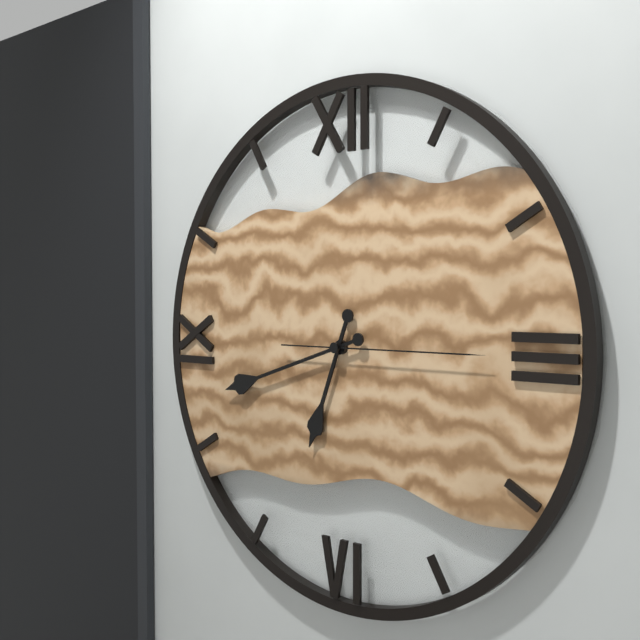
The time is h=6 m=42 s=15
